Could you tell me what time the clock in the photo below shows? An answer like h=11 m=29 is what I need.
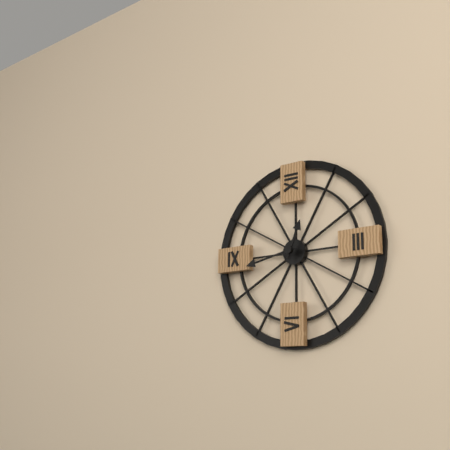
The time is h=12 m=43
